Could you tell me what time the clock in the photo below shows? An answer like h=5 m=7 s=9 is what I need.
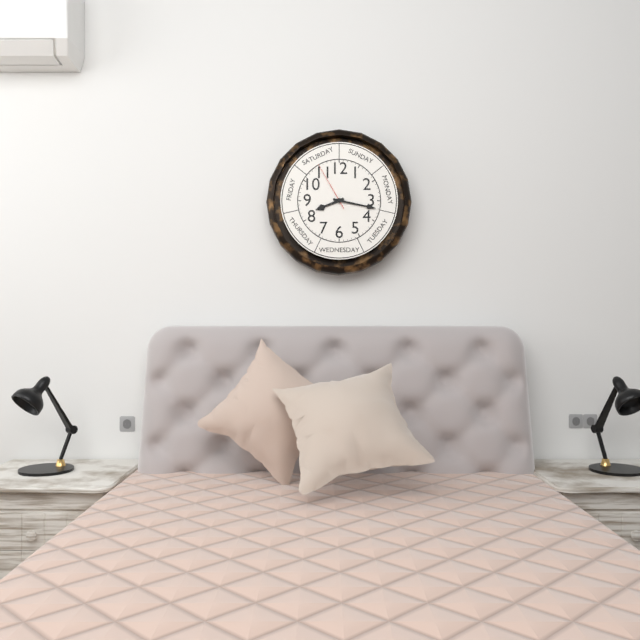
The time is h=8 m=17 s=55
